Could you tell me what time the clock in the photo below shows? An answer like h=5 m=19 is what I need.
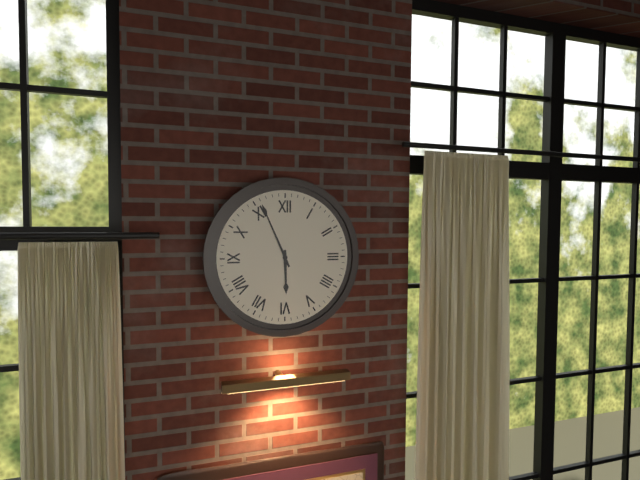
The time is h=5 m=56
